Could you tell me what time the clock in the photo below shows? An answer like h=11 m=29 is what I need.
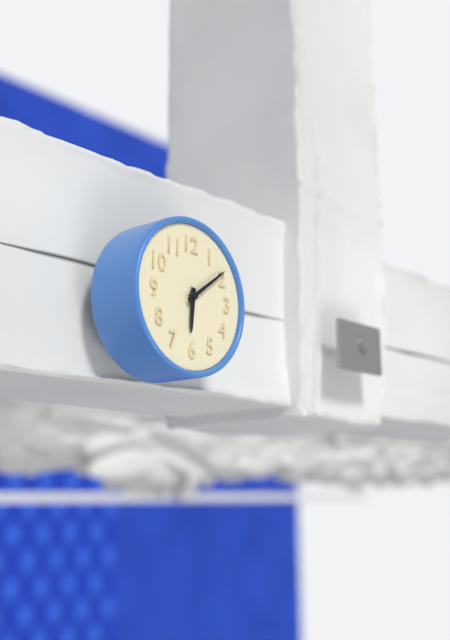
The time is h=6 m=9
